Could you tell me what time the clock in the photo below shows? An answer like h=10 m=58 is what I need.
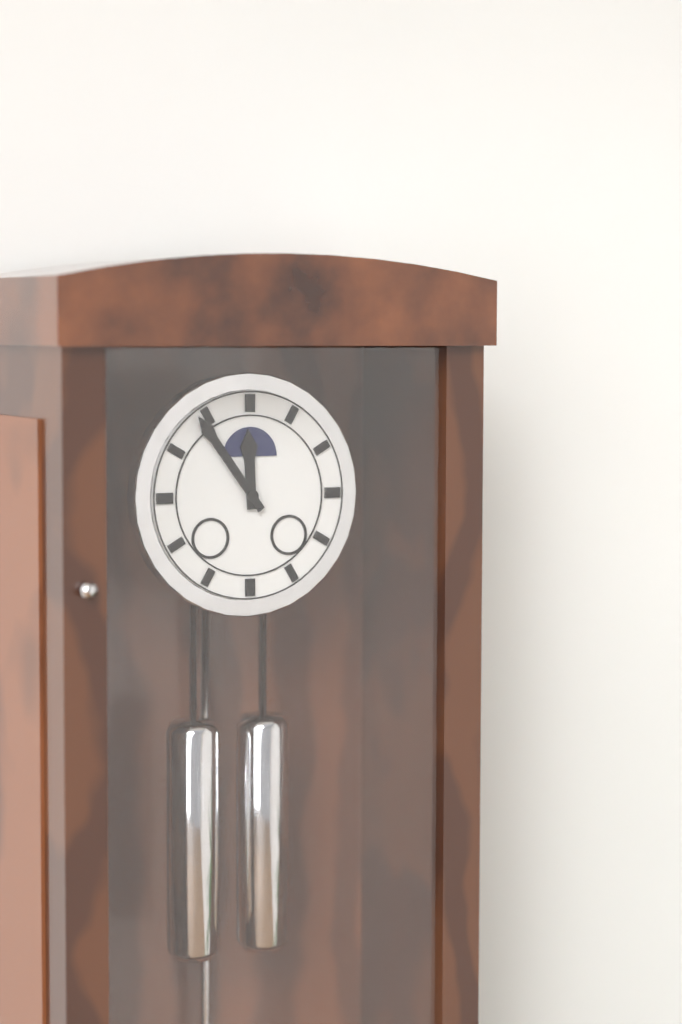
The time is h=11 m=54
